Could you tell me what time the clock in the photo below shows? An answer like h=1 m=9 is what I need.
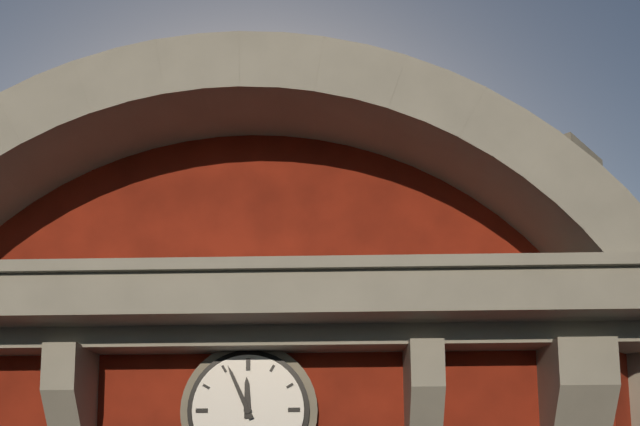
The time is h=11 m=56
